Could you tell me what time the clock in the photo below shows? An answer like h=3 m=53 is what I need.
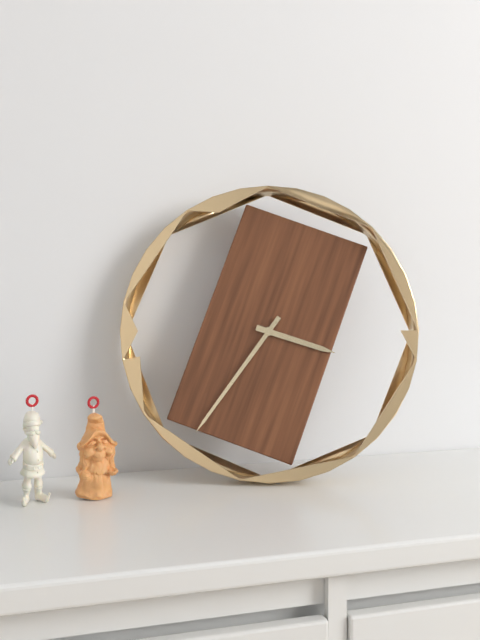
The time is h=3 m=36
